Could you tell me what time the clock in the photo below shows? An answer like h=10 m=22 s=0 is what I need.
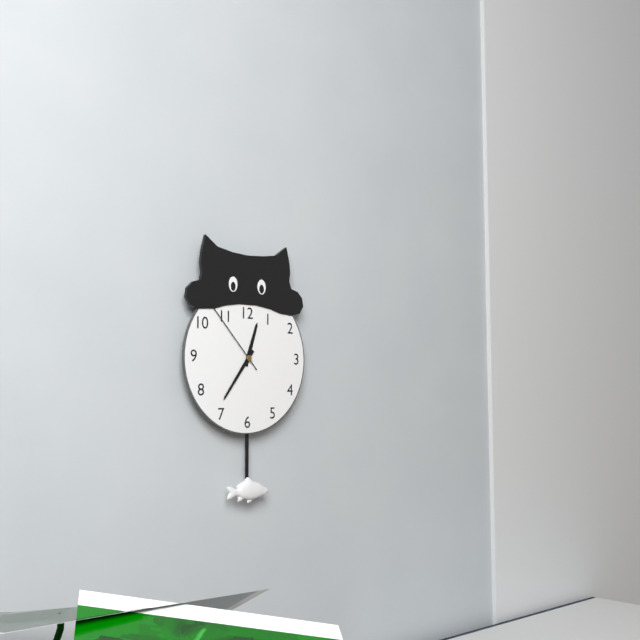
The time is h=12 m=36 s=53
